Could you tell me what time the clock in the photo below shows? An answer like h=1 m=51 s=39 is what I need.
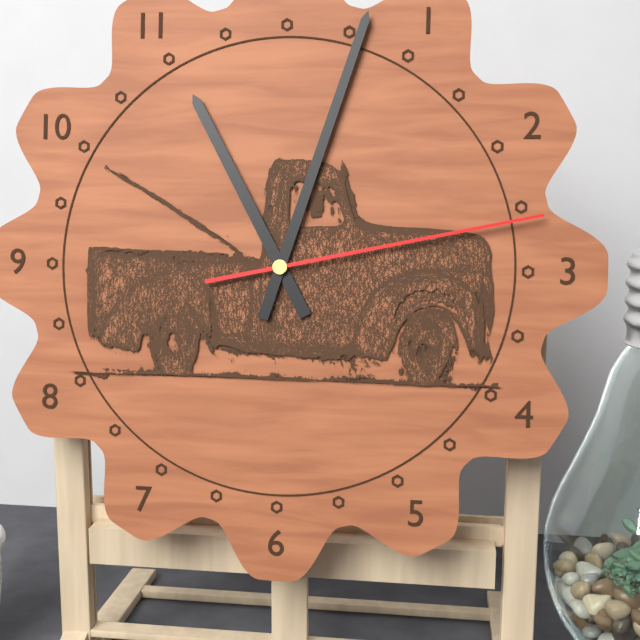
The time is h=11 m=3 s=13
